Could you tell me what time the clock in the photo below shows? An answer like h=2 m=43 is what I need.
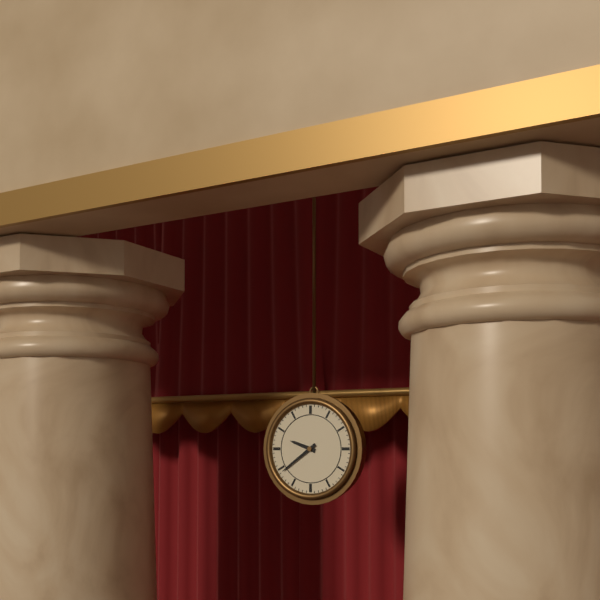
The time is h=9 m=39
